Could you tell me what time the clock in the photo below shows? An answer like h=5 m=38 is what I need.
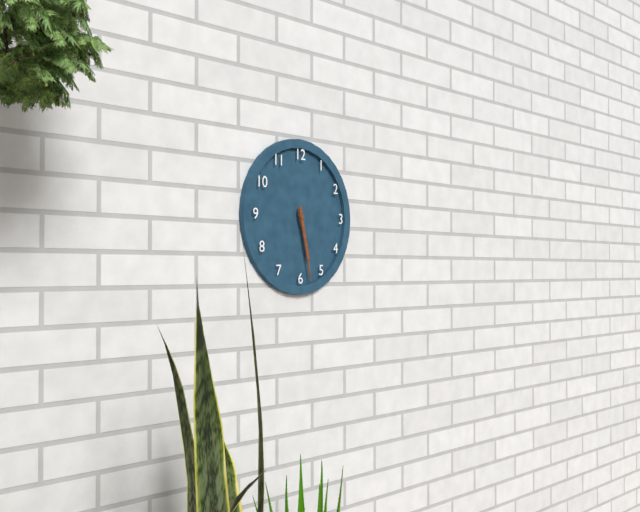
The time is h=5 m=28
